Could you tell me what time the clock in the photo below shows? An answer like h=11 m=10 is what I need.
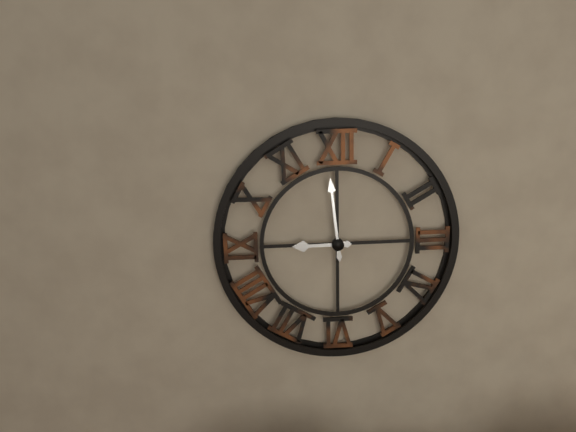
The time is h=8 m=59
